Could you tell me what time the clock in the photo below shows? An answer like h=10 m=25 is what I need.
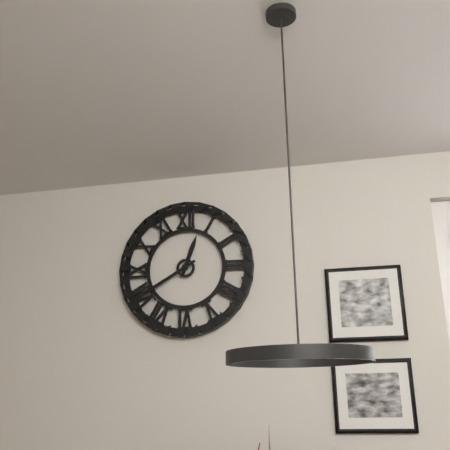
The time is h=12 m=40
